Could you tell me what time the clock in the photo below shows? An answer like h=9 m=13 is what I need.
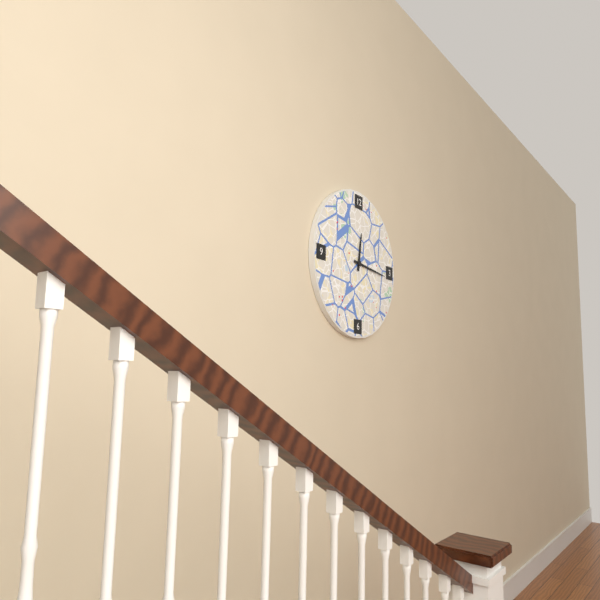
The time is h=12 m=16
